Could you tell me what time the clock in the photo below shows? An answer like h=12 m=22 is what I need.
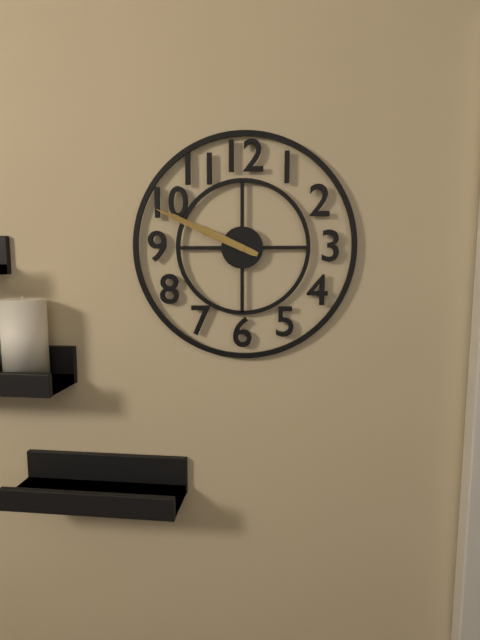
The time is h=9 m=49
